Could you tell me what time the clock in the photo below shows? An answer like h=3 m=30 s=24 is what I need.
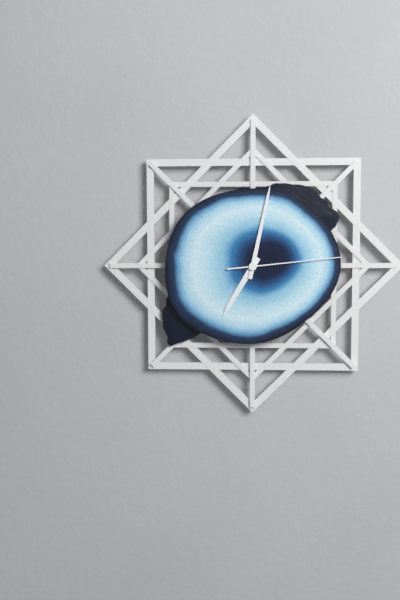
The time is h=7 m=2 s=14
